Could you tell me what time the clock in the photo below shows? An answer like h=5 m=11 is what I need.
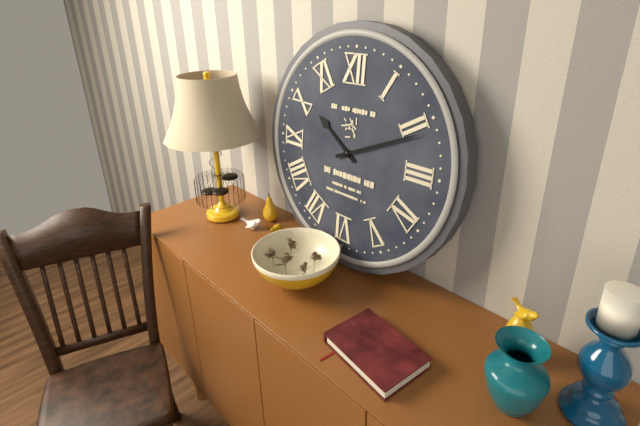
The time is h=10 m=11
